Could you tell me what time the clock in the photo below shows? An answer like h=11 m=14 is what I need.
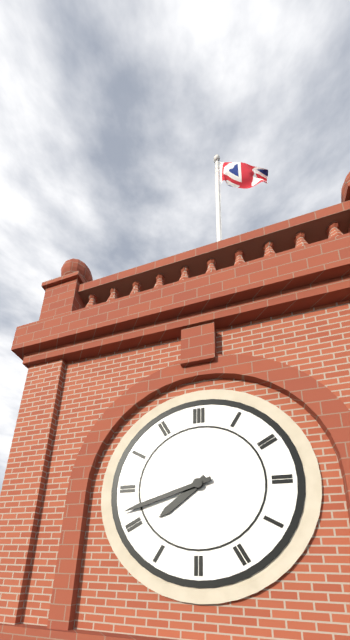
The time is h=7 m=42
